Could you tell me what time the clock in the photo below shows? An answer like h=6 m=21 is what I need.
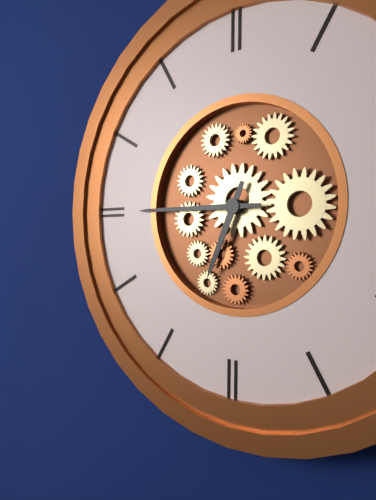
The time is h=6 m=45
